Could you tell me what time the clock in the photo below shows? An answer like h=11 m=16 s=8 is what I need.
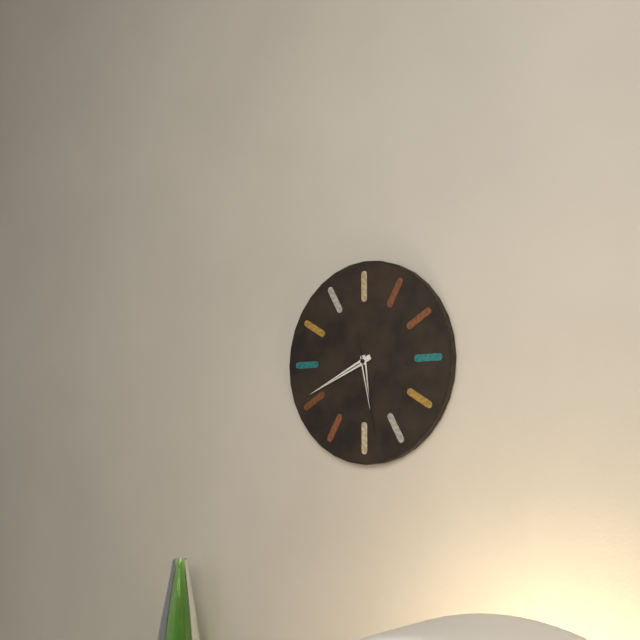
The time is h=5 m=41 s=28
